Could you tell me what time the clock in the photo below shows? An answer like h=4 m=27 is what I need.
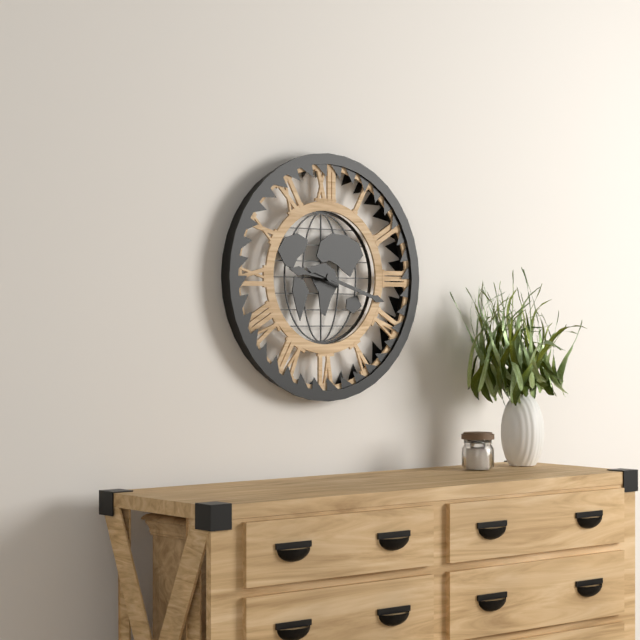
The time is h=9 m=18
